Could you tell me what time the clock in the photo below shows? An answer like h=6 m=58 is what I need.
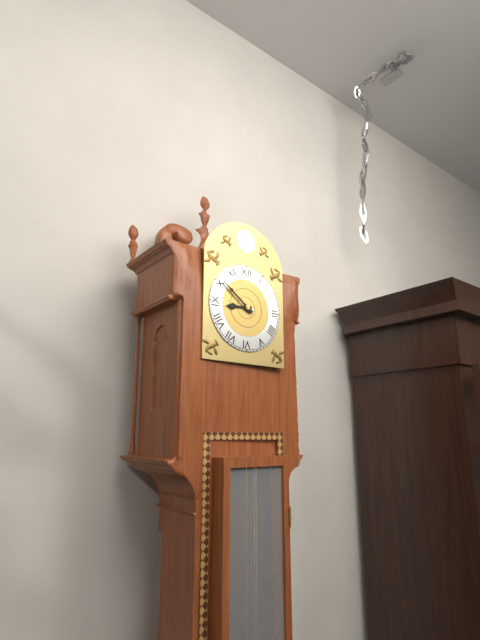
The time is h=8 m=51
